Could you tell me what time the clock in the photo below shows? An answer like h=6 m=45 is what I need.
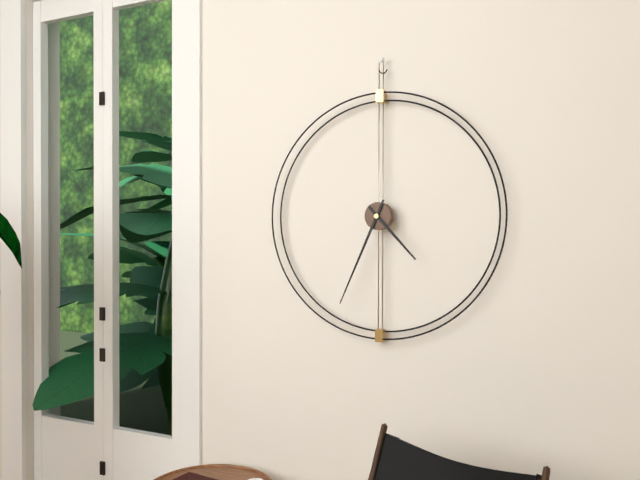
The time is h=4 m=34
